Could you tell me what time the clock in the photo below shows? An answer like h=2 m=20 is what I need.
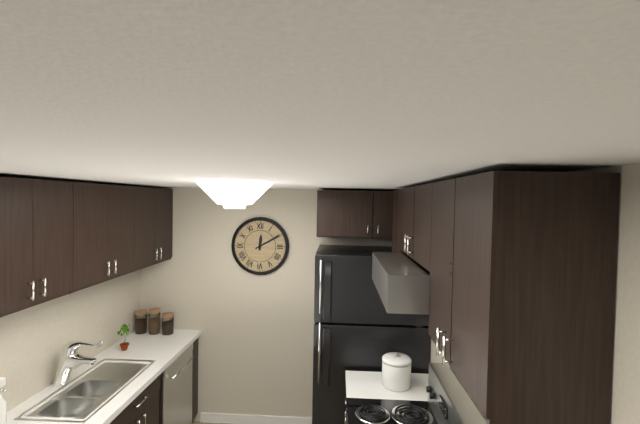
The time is h=12 m=10
